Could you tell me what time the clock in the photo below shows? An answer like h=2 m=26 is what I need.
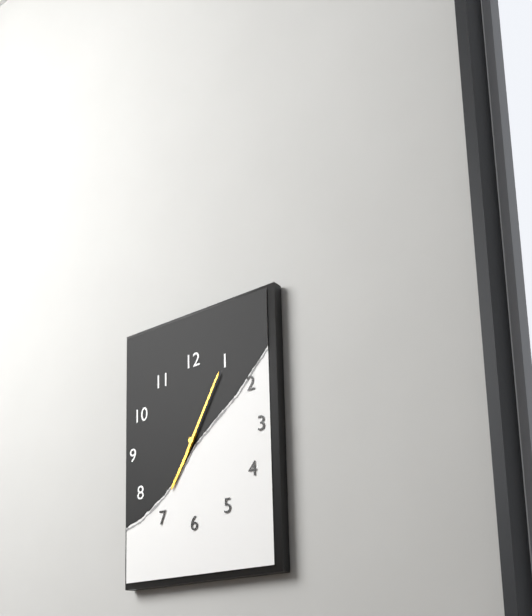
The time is h=7 m=5
